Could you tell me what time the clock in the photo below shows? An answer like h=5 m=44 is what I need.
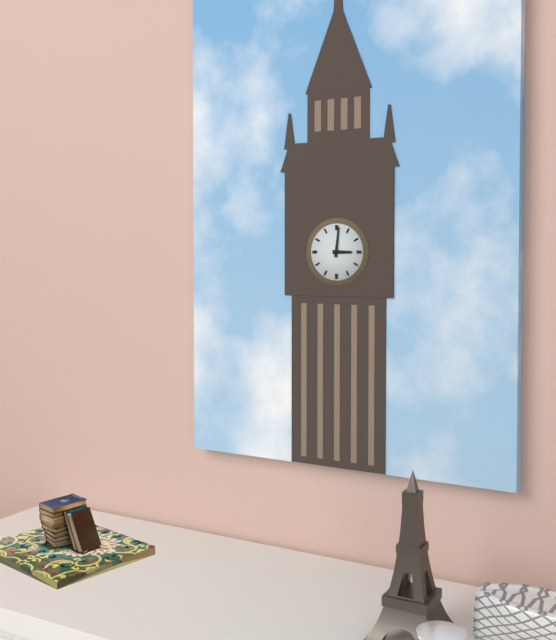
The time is h=3 m=1
